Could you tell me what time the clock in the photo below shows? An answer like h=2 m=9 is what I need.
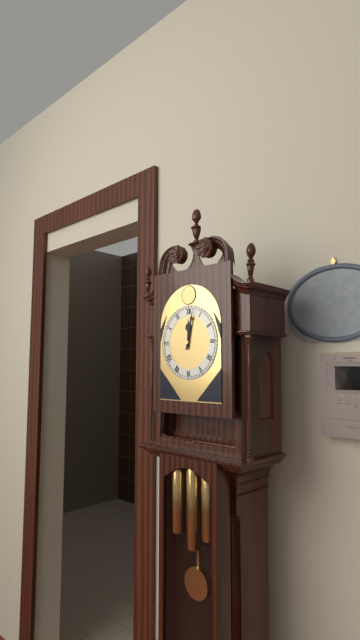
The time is h=12 m=2
